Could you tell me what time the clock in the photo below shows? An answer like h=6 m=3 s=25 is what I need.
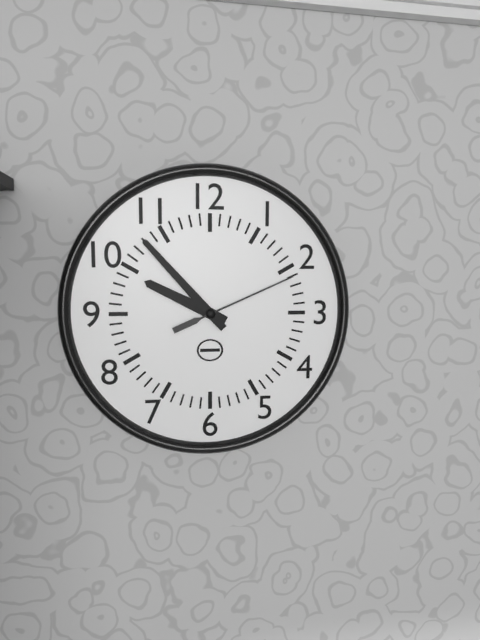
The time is h=9 m=53 s=11
